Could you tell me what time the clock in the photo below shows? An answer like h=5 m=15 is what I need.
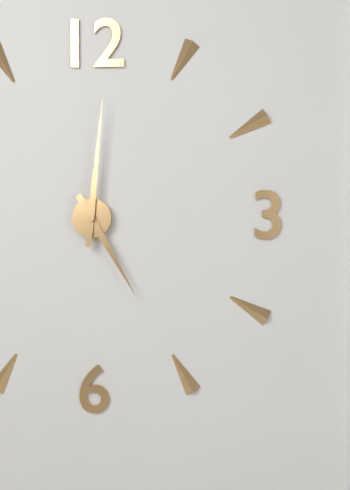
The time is h=5 m=1
